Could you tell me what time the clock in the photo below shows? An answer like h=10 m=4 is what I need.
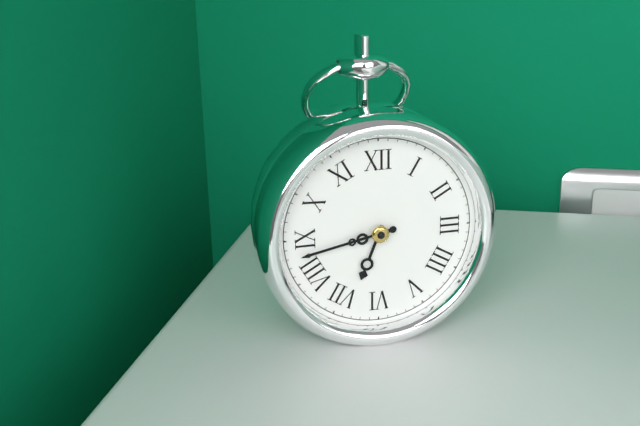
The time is h=6 m=43
